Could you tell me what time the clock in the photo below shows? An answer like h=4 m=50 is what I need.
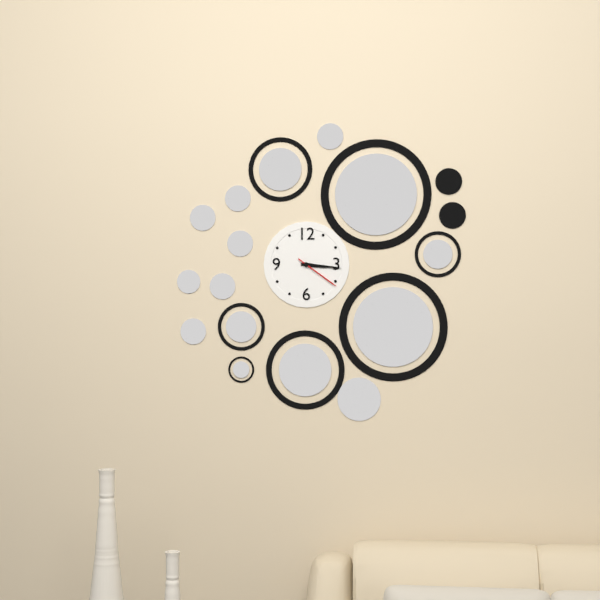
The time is h=3 m=16
